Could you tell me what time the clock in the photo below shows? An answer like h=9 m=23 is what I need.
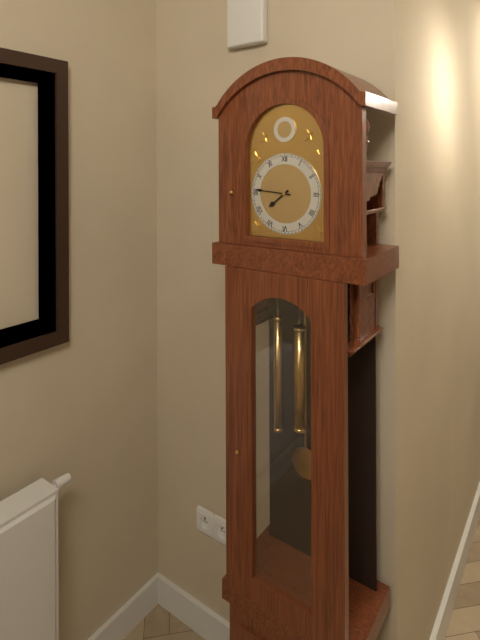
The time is h=7 m=46
